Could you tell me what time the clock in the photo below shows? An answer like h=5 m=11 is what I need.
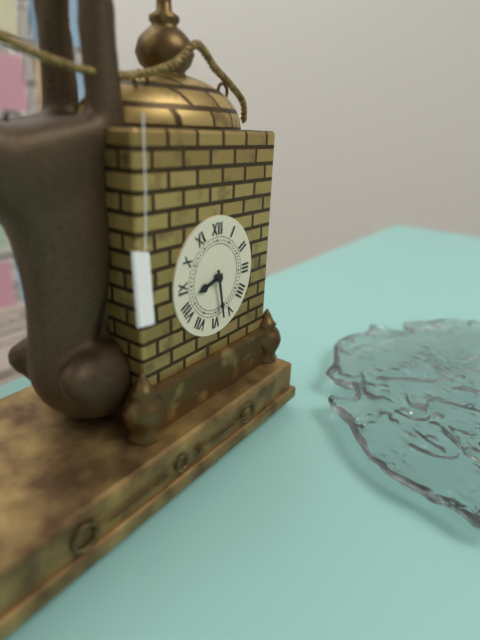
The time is h=8 m=28
